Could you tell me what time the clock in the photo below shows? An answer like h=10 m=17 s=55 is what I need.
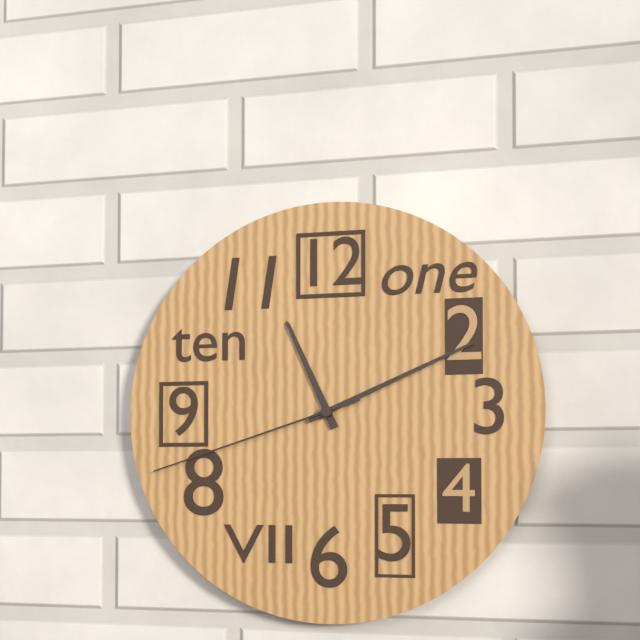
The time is h=11 m=11 s=42
